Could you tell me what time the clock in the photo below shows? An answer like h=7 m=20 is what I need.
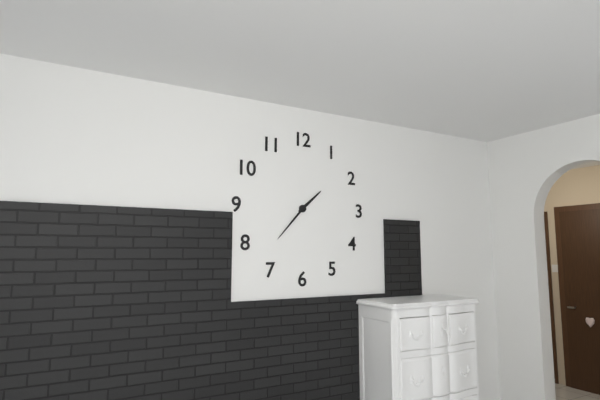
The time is h=1 m=37
